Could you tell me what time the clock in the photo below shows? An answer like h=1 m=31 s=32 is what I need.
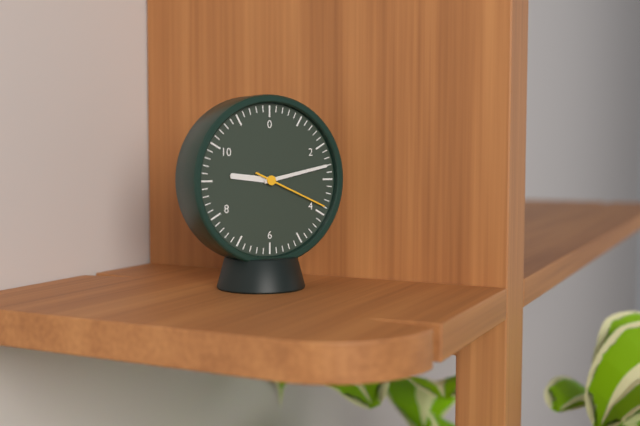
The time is h=9 m=13 s=19
